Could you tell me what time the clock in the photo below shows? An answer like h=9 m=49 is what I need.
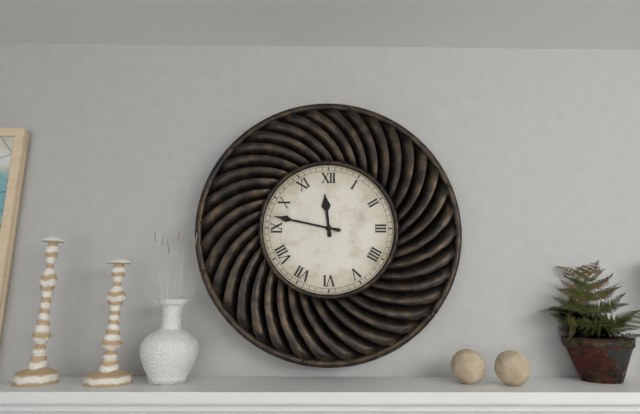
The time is h=11 m=47
